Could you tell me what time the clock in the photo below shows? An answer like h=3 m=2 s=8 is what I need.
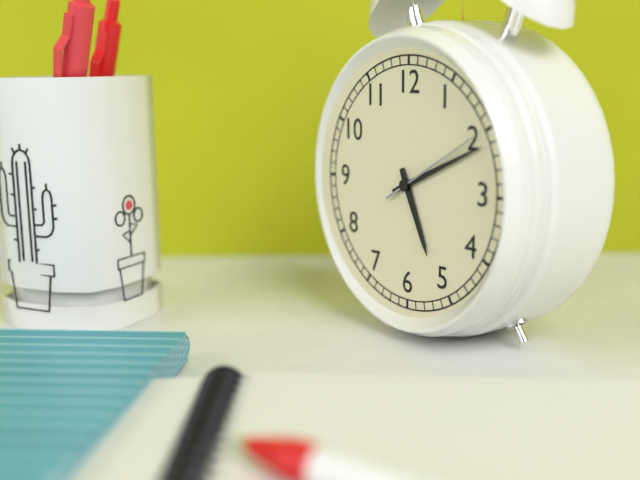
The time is h=5 m=11 s=10
